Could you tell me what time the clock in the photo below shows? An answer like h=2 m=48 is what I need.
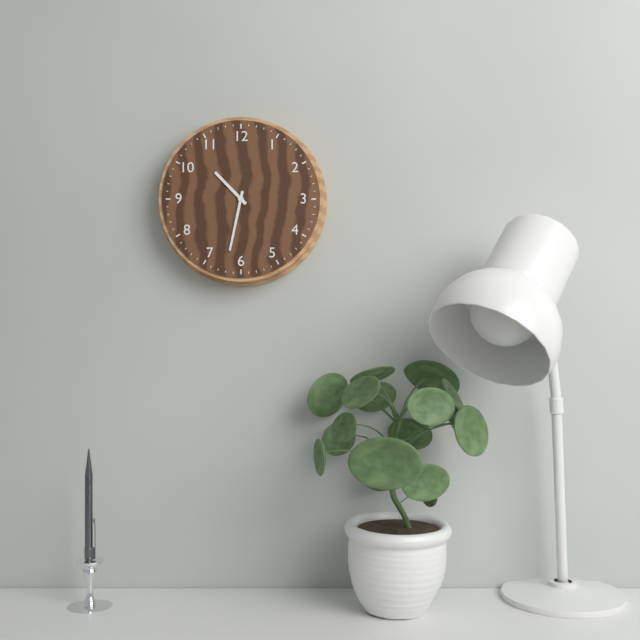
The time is h=10 m=32
